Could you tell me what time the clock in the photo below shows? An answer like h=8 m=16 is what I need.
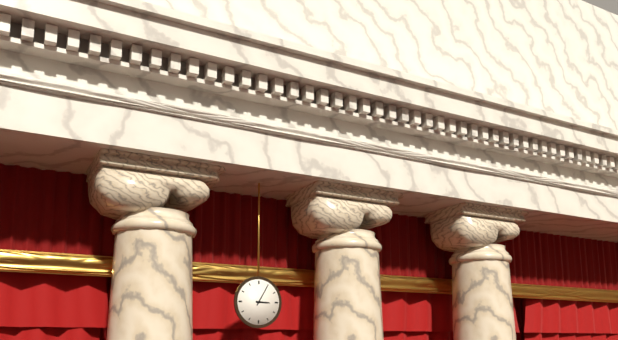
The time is h=3 m=5
